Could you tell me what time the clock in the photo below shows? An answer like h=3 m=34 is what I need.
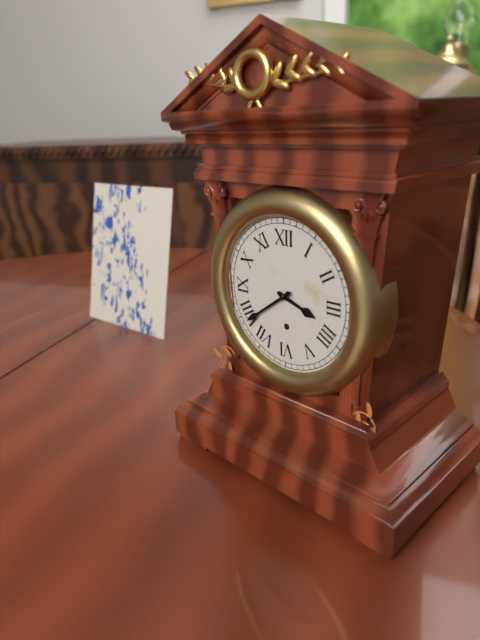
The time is h=3 m=39
